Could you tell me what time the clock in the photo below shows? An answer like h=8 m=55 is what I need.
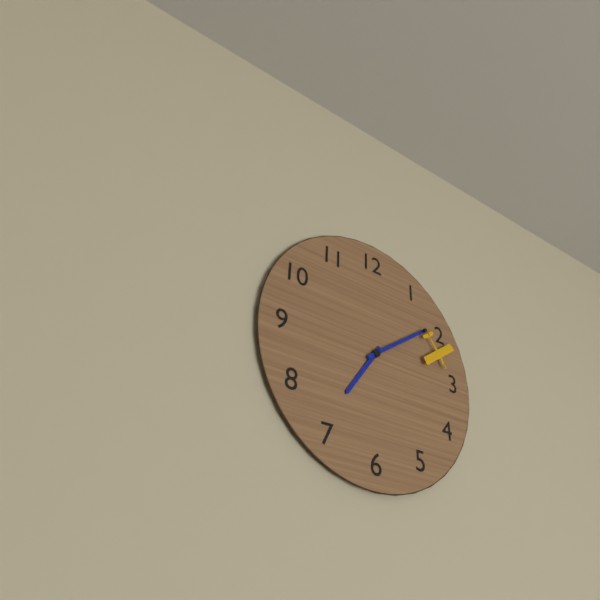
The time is h=7 m=9
